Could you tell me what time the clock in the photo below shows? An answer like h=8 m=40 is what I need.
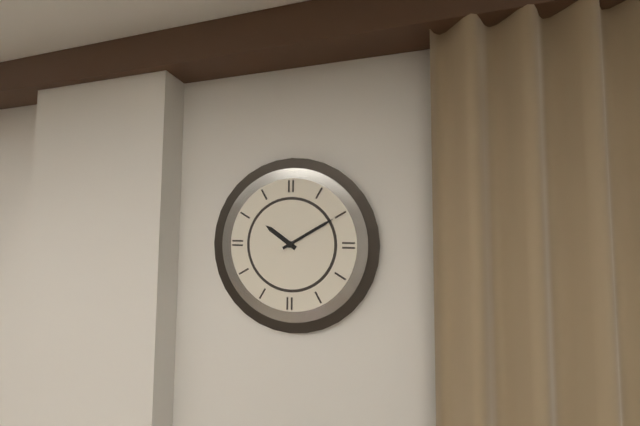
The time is h=10 m=10
